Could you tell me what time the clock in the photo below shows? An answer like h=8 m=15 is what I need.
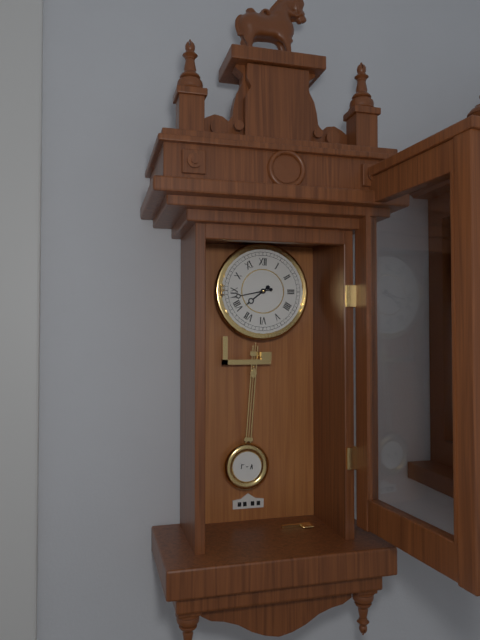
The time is h=7 m=43
